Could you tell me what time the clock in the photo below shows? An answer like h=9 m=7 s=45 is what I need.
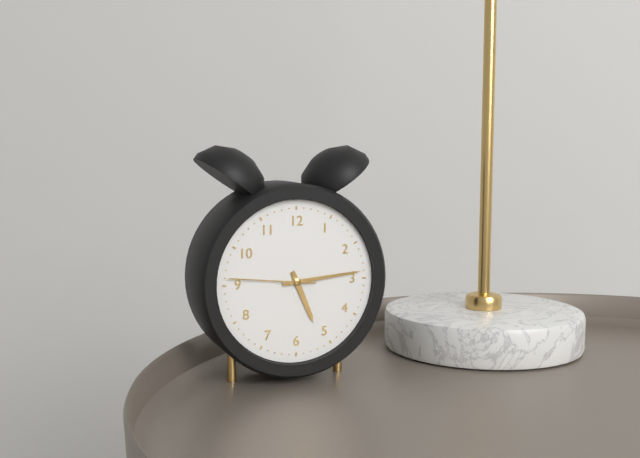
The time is h=5 m=14 s=46
